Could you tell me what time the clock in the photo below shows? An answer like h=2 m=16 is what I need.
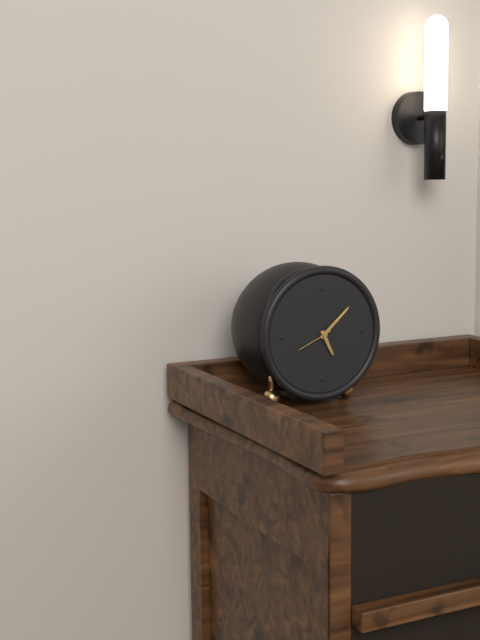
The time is h=5 m=8
